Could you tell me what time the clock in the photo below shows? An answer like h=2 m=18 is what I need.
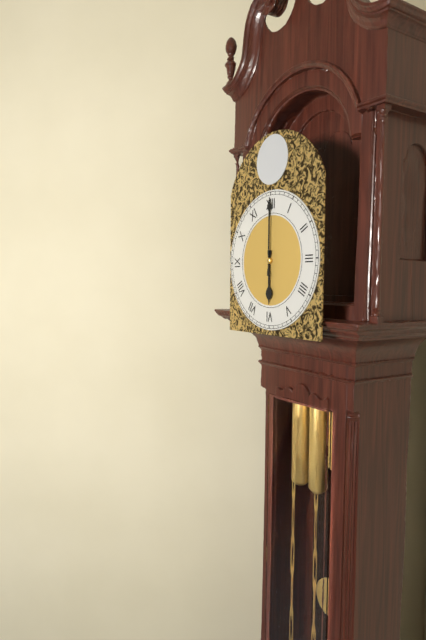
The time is h=6 m=0
